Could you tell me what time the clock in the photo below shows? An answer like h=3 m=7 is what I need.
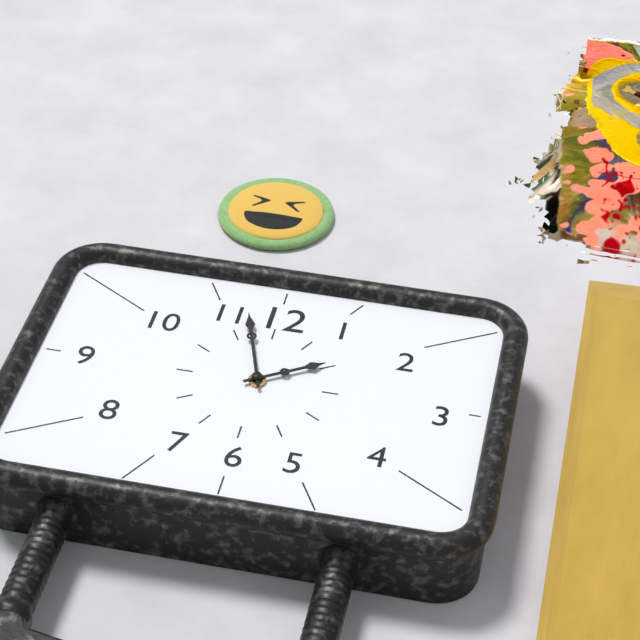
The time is h=1 m=57
